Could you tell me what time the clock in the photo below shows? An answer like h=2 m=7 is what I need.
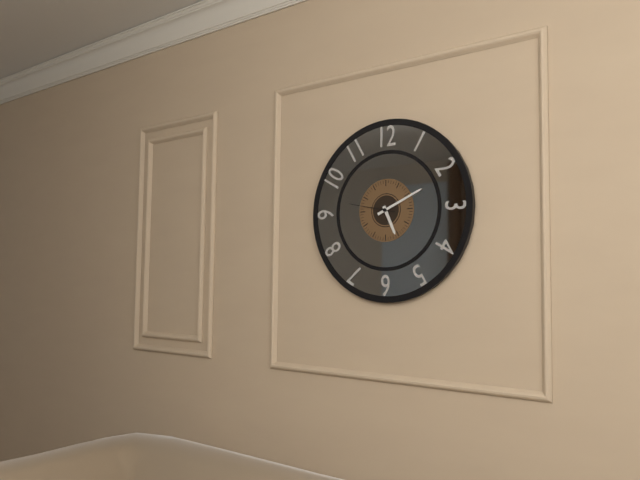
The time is h=5 m=11
